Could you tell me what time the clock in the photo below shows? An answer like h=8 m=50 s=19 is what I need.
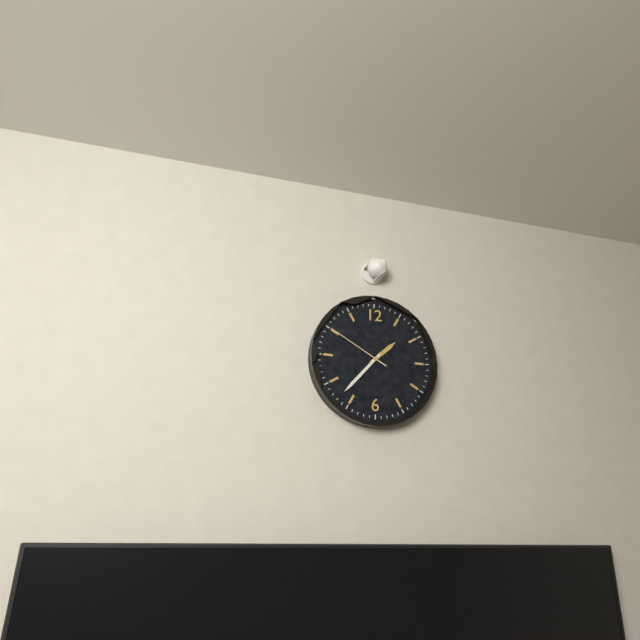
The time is h=1 m=37 s=50
